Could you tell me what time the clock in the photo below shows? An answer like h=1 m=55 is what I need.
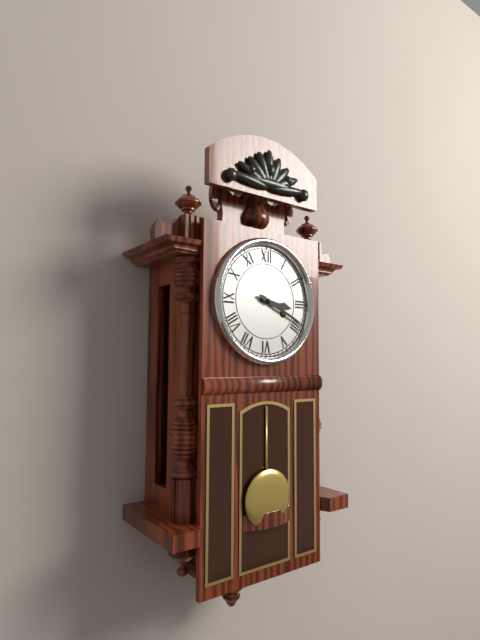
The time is h=3 m=19
